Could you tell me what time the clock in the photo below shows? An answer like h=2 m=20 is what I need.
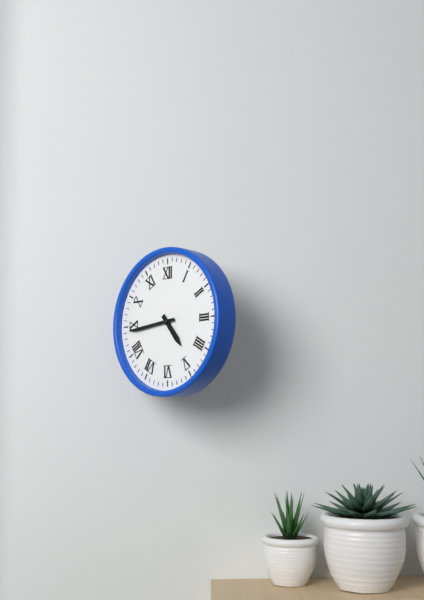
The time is h=4 m=44
